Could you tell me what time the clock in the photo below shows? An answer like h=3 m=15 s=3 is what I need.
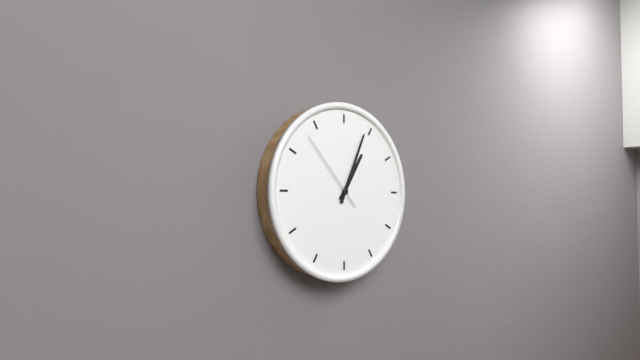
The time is h=1 m=4 s=53
